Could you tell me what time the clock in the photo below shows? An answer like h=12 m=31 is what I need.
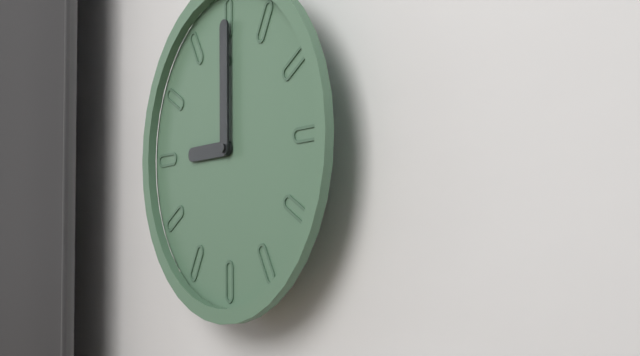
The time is h=9 m=0
